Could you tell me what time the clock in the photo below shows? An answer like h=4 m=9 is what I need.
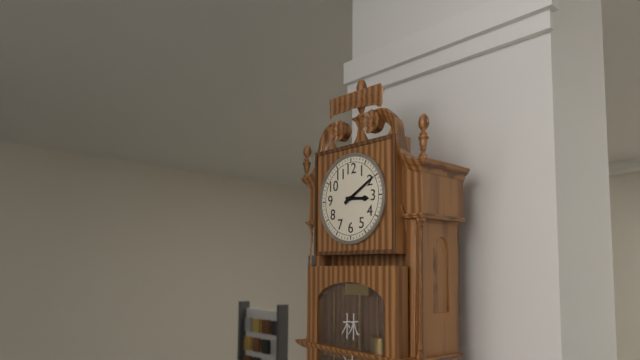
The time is h=3 m=10
